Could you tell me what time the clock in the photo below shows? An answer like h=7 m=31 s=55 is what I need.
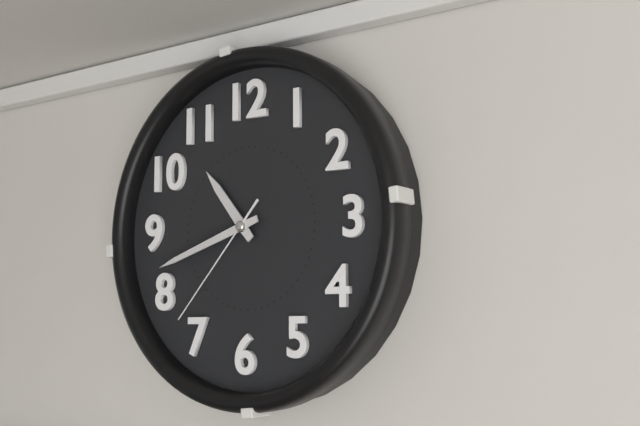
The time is h=10 m=42 s=37
